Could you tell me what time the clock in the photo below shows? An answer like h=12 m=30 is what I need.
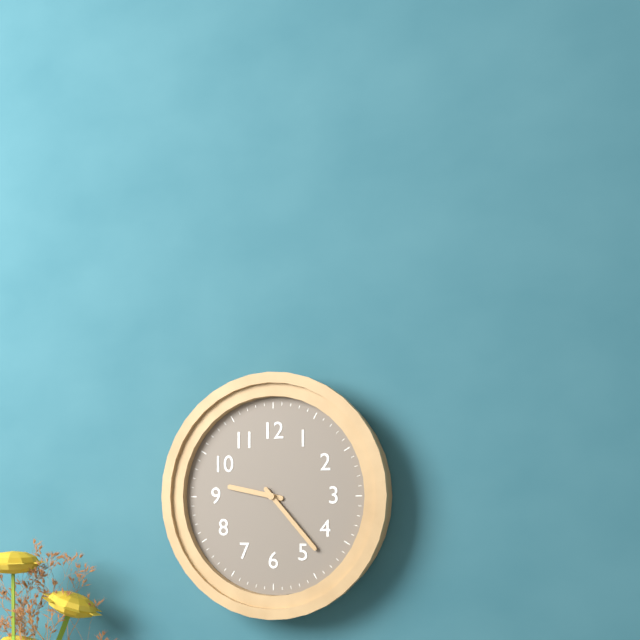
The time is h=9 m=23
